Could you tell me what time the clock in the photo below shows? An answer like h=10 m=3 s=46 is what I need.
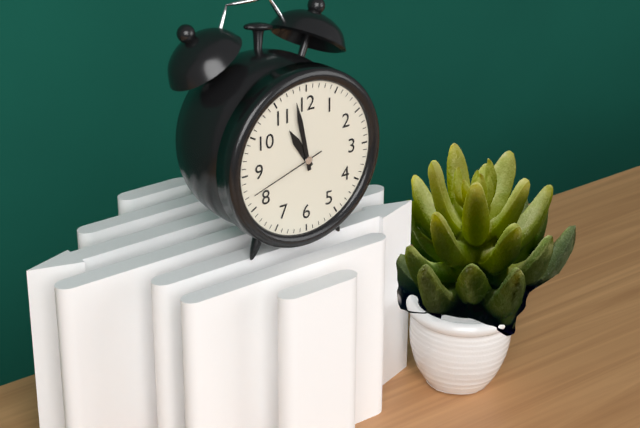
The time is h=10 m=58 s=42
